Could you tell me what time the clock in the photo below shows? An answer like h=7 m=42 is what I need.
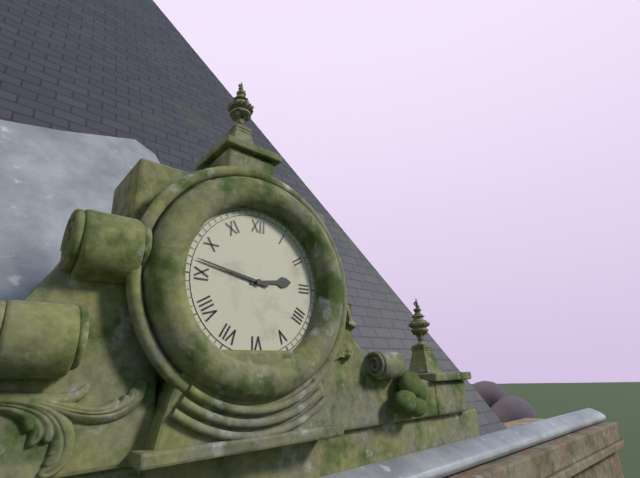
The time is h=2 m=47
